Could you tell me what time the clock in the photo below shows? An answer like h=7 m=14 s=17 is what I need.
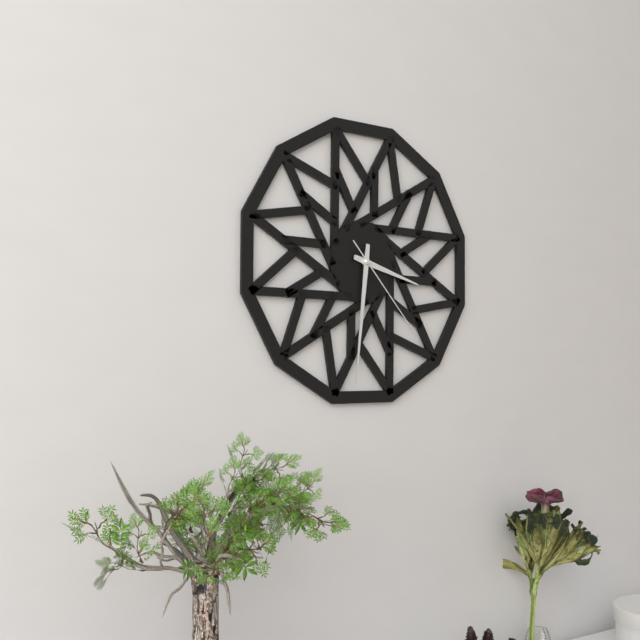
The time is h=3 m=31 s=23
